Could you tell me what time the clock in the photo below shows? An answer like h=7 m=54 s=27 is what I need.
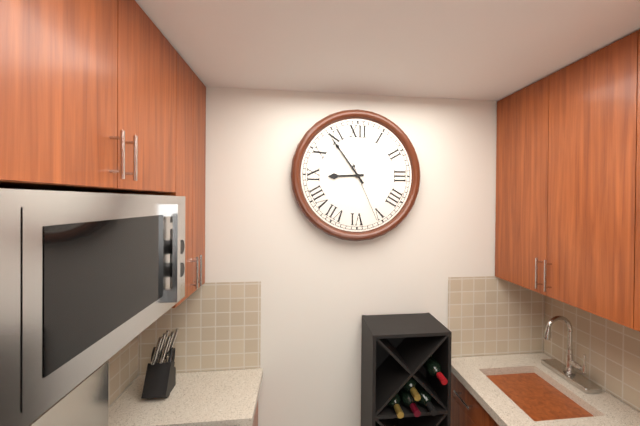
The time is h=8 m=54 s=26
